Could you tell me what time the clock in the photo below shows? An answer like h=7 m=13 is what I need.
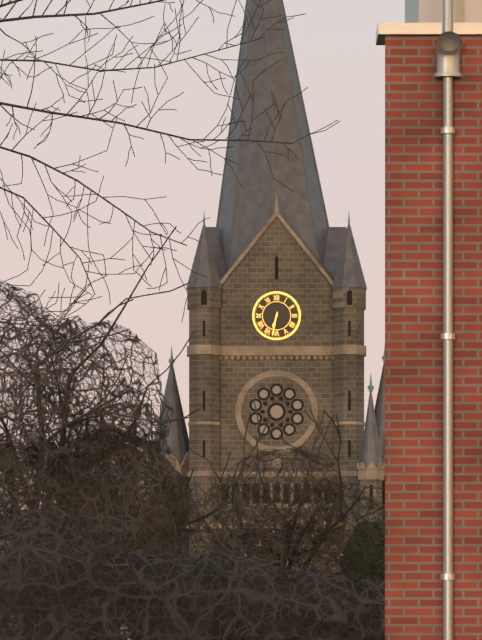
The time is h=6 m=32
